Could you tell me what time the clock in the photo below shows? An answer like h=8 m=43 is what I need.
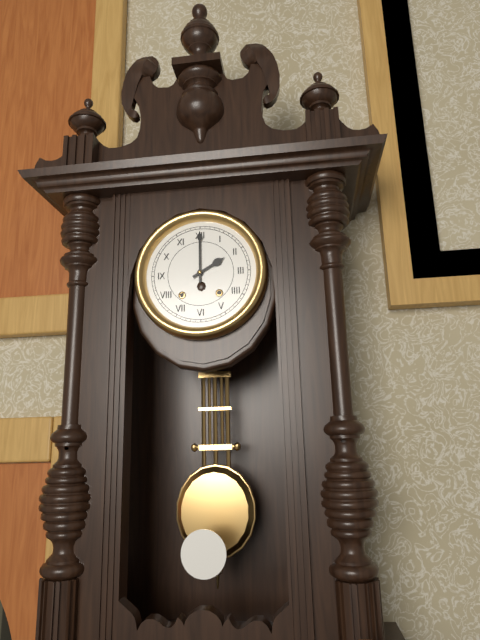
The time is h=2 m=0
